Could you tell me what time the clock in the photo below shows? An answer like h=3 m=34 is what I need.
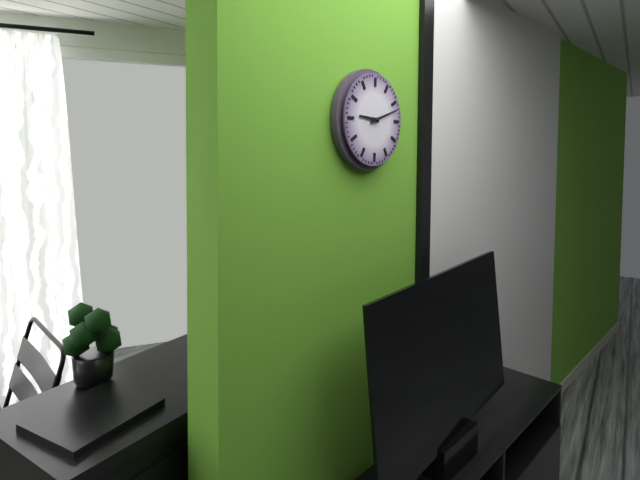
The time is h=9 m=12
